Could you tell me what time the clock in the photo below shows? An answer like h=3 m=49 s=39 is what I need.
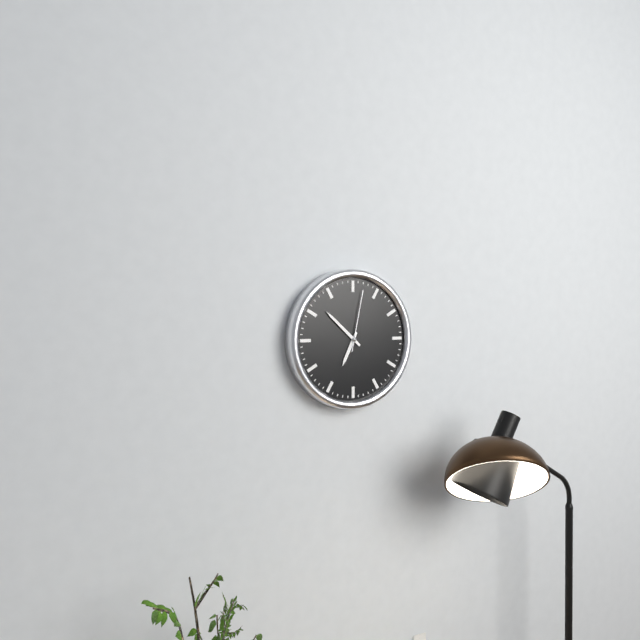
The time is h=6 m=52 s=2
